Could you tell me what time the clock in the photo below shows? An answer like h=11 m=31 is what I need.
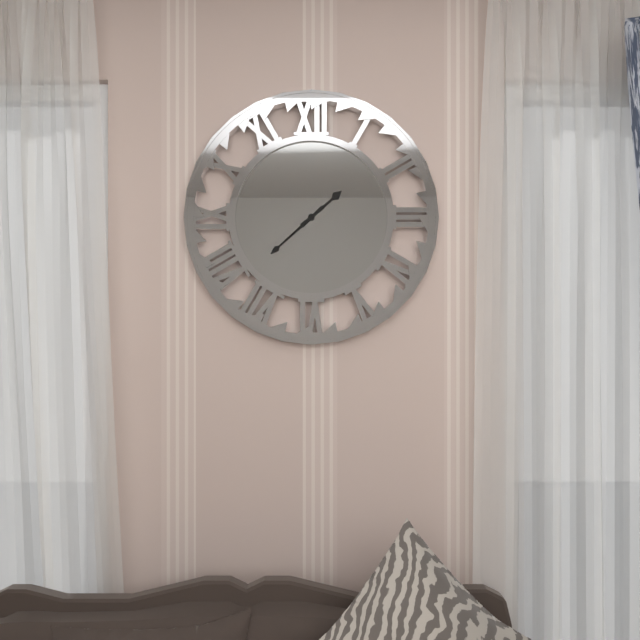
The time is h=1 m=38
